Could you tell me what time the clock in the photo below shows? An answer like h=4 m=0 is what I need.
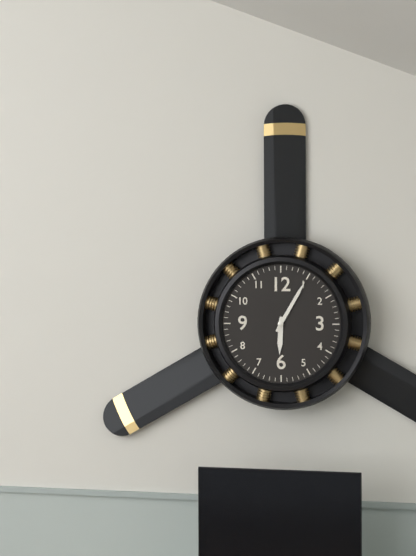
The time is h=6 m=5
